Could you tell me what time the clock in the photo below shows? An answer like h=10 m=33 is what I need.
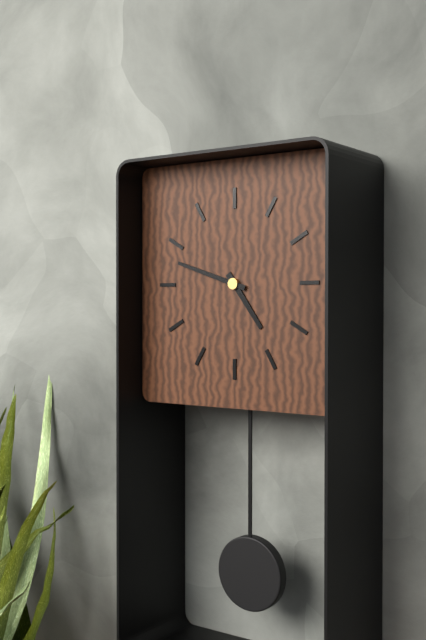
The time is h=4 m=48
